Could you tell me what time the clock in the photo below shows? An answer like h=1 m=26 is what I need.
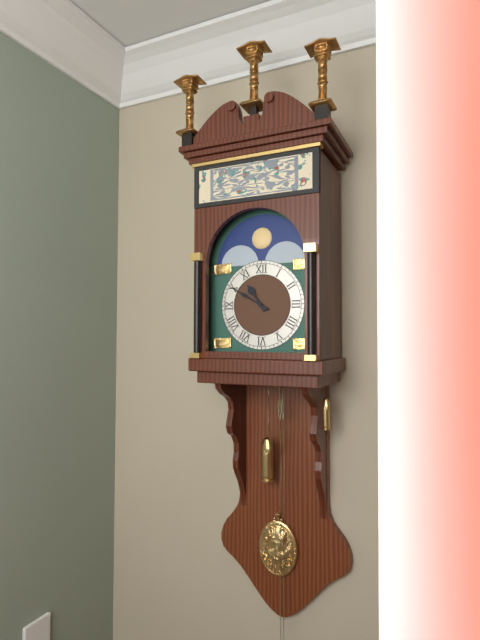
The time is h=10 m=50
